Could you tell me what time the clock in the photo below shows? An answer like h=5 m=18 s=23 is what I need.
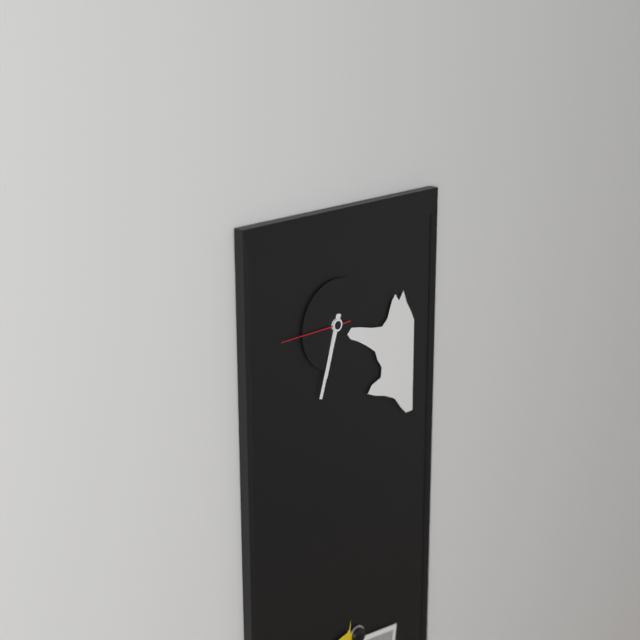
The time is h=6 m=33 s=45
